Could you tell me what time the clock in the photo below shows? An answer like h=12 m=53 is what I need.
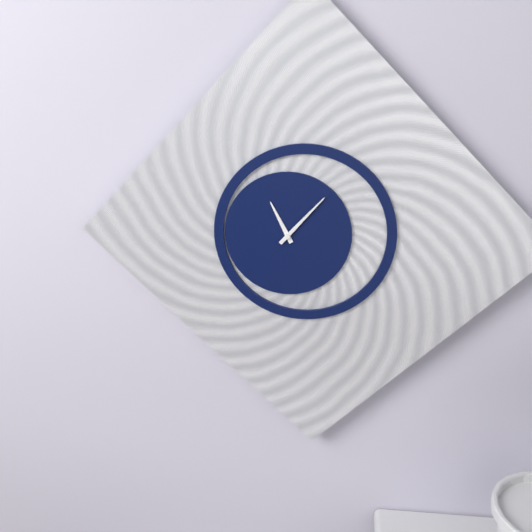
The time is h=11 m=7
